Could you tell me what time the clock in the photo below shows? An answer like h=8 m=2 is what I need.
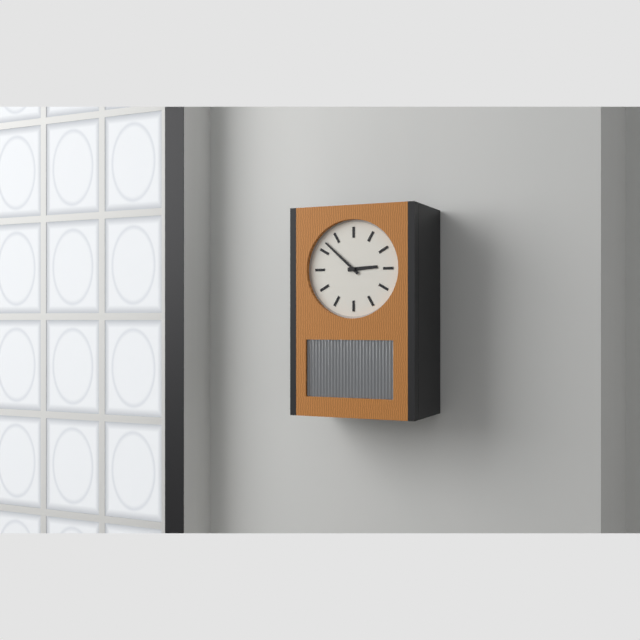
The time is h=2 m=52
